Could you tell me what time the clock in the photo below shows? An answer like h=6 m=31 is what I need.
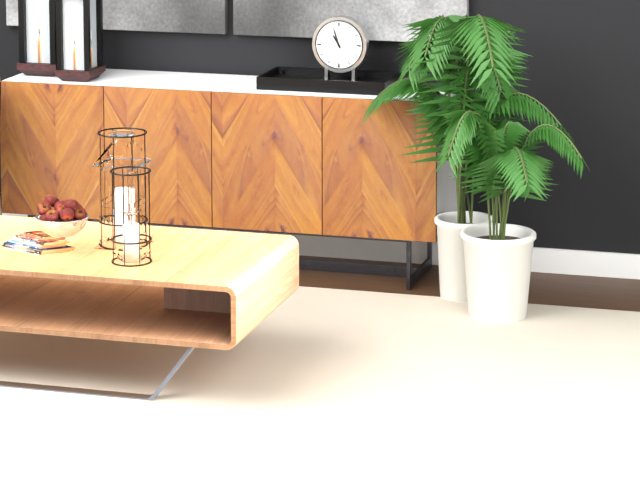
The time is h=10 m=57
